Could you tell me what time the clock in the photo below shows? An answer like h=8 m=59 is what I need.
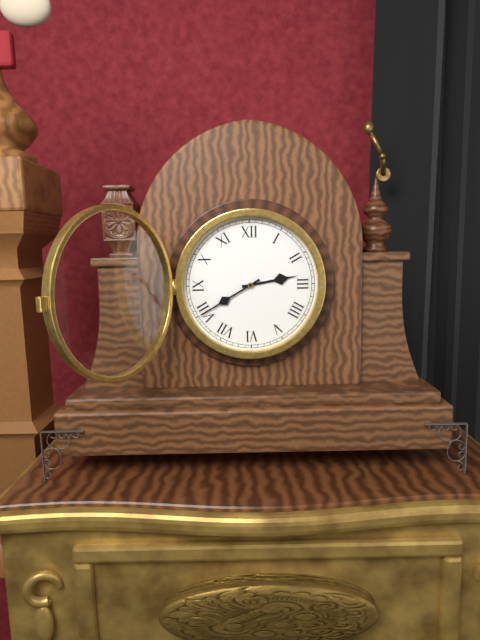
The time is h=2 m=40
